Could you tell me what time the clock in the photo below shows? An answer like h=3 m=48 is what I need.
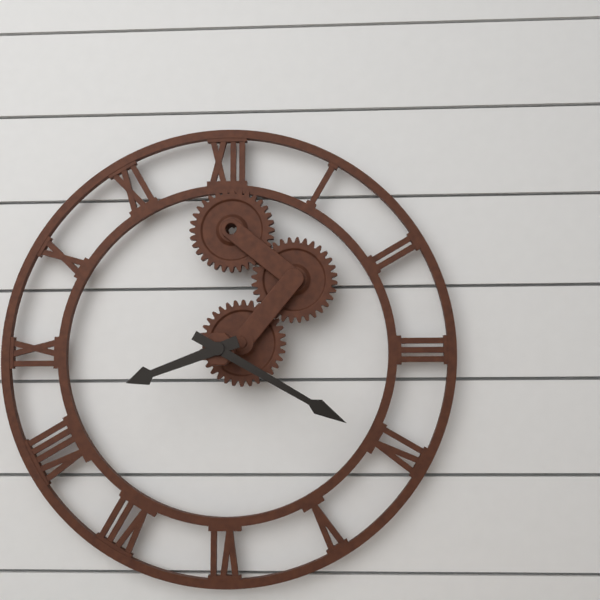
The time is h=8 m=20
